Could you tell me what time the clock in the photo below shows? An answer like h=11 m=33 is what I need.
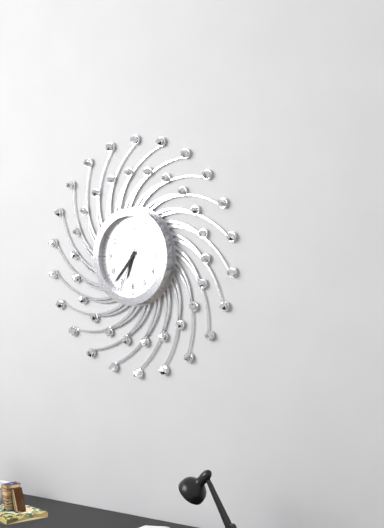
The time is h=6 m=37
